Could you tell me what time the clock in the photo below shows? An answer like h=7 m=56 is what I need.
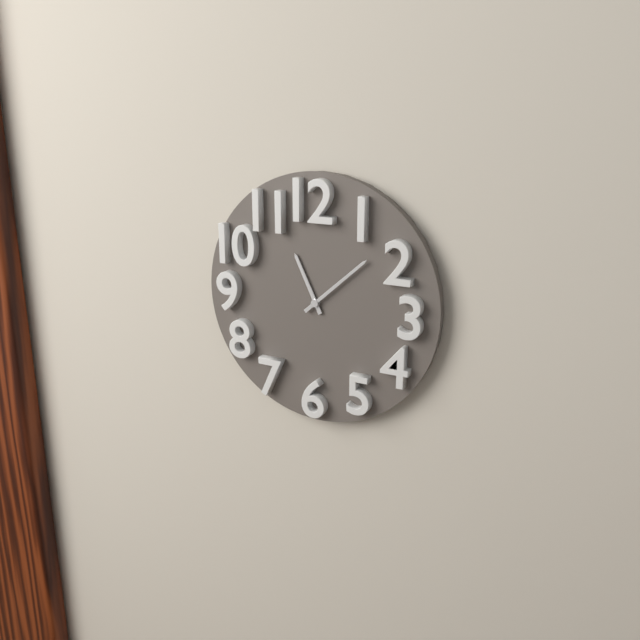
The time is h=11 m=8
